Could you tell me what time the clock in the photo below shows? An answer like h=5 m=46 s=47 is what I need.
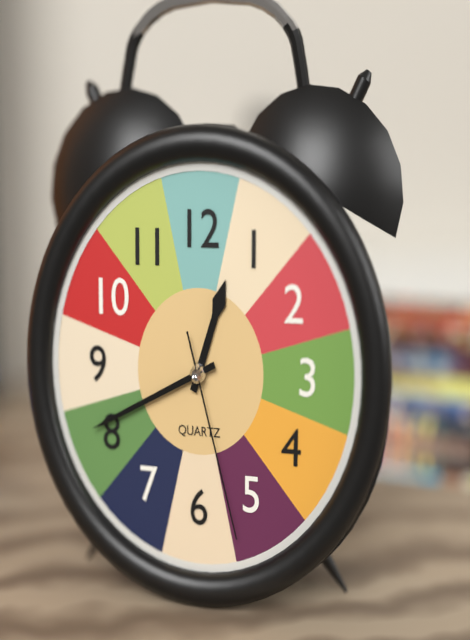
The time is h=12 m=41 s=27
